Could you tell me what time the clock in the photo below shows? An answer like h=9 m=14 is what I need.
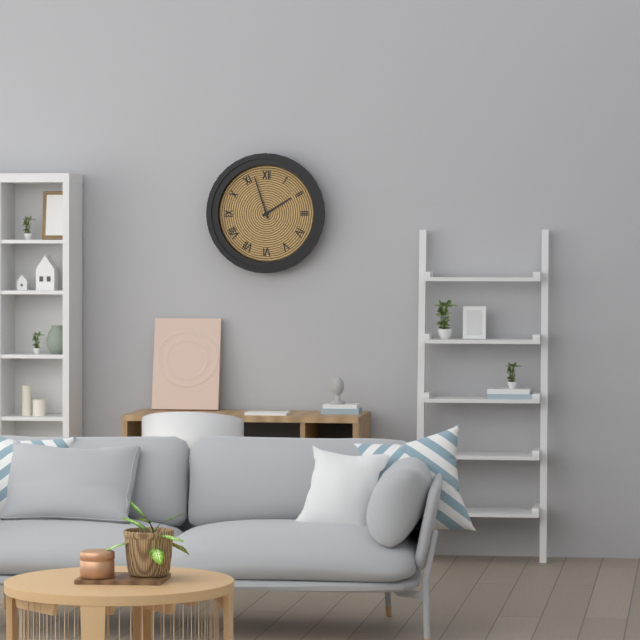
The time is h=1 m=57
